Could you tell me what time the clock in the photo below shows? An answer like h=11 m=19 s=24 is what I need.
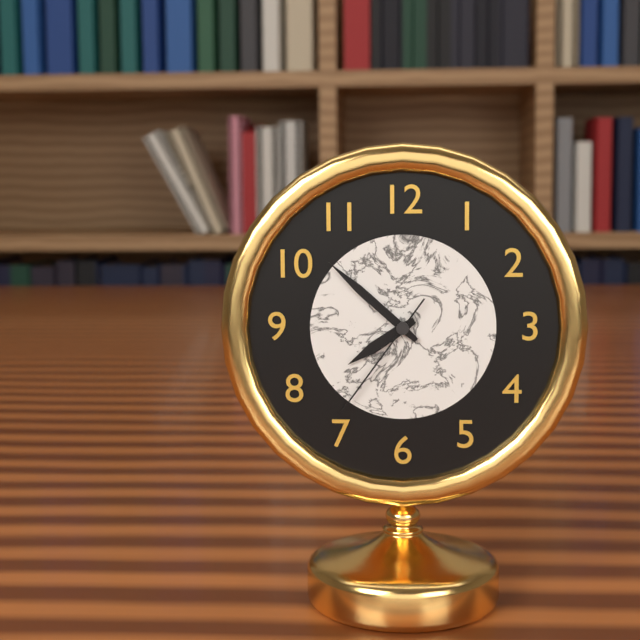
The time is h=7 m=52 s=36
